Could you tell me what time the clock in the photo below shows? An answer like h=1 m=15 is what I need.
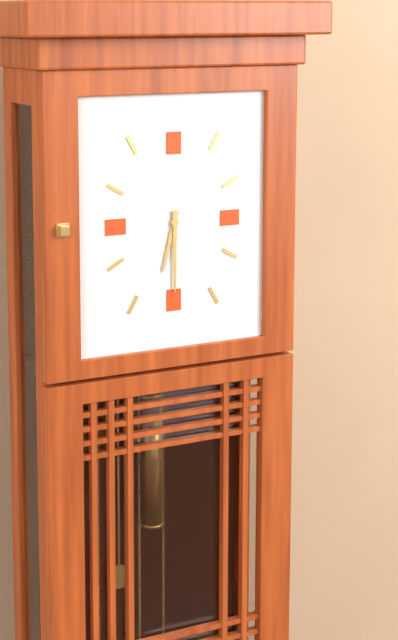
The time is h=6 m=30
